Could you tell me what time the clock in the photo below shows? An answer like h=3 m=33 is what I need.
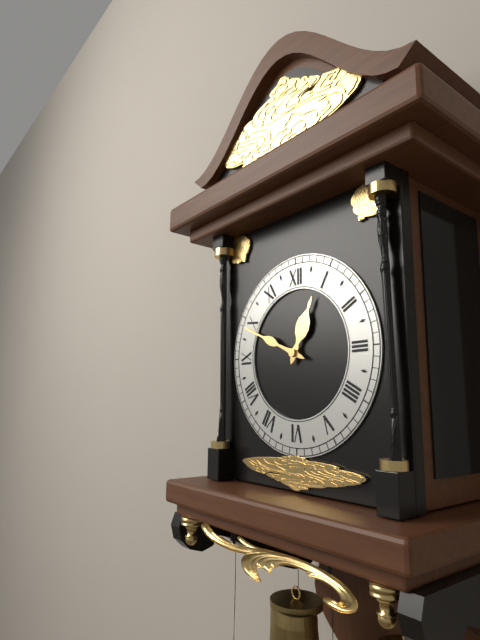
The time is h=12 m=49
